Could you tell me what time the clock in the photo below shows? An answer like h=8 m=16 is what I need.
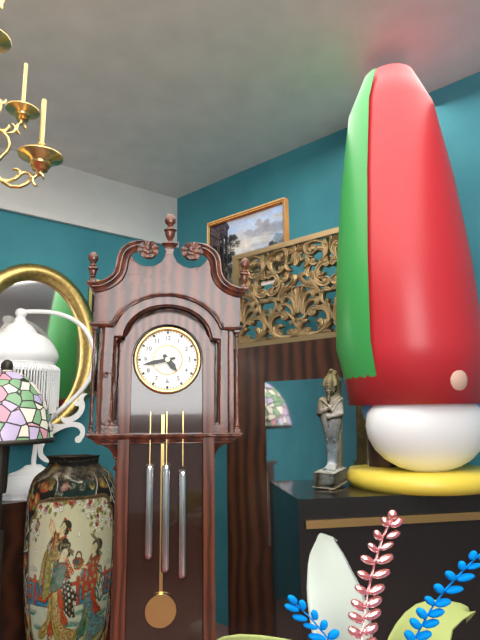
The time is h=4 m=43
